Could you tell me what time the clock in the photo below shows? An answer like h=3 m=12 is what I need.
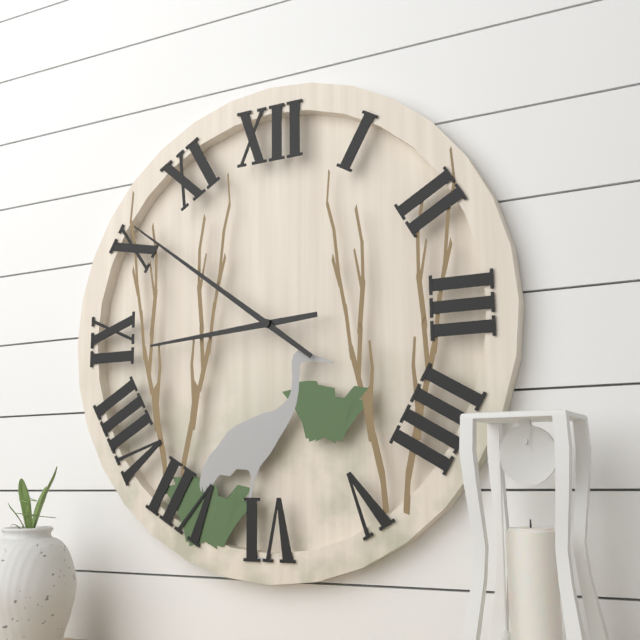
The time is h=8 m=51
